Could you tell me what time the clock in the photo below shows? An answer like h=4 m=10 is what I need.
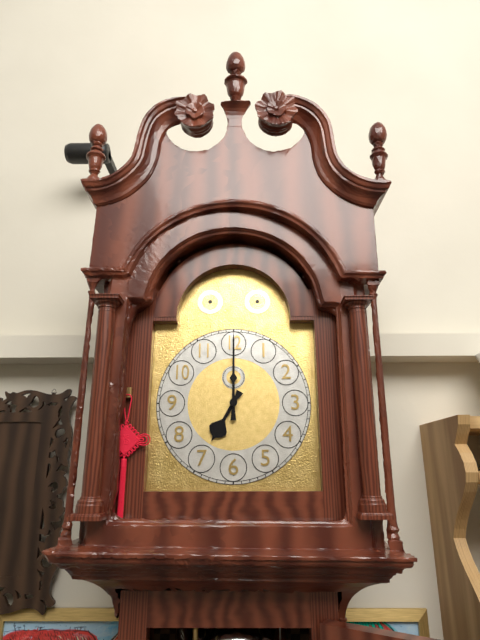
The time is h=7 m=0
